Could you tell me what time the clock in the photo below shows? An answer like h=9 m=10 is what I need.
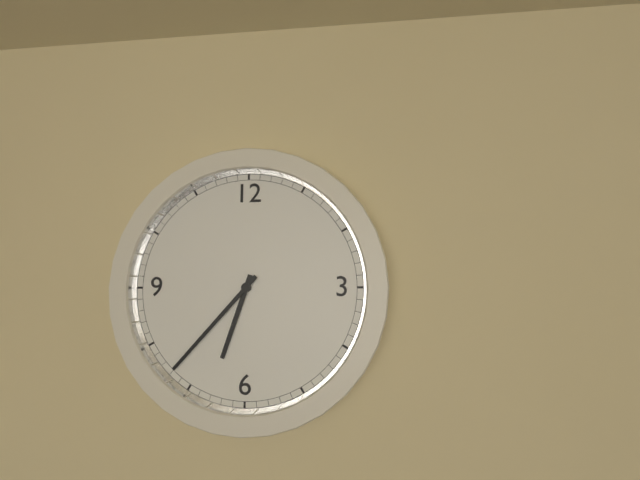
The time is h=6 m=37
